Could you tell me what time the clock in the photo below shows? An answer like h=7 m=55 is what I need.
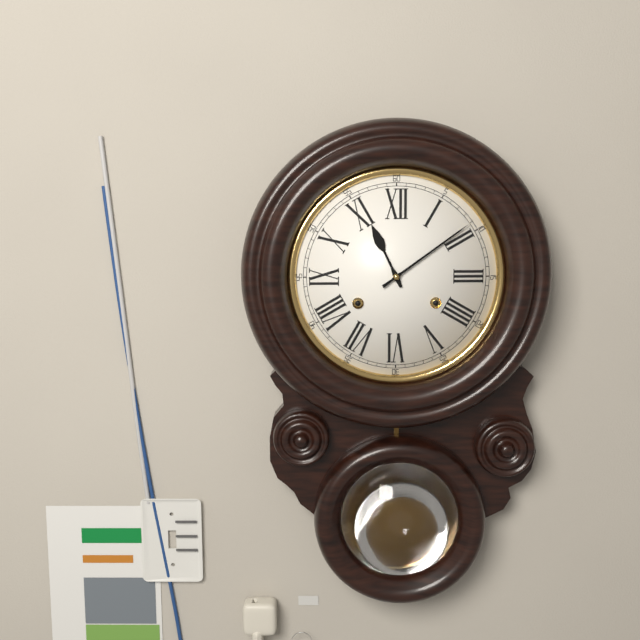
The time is h=11 m=9
